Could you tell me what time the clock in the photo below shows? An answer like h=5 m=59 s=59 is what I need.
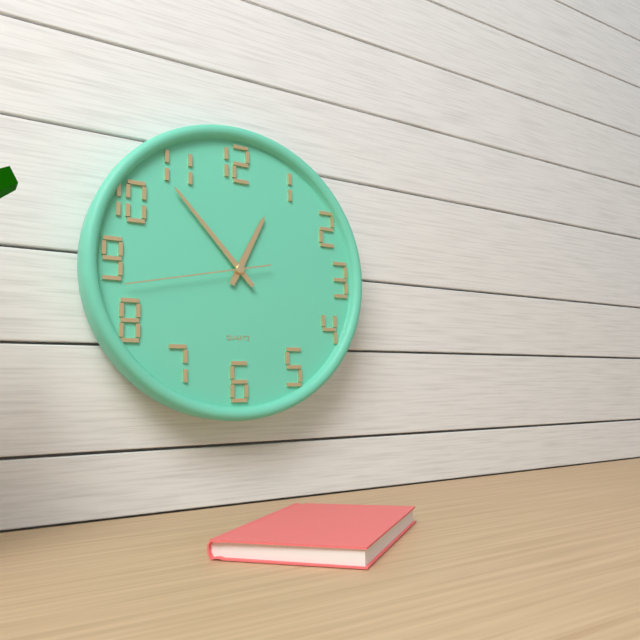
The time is h=12 m=53 s=43
